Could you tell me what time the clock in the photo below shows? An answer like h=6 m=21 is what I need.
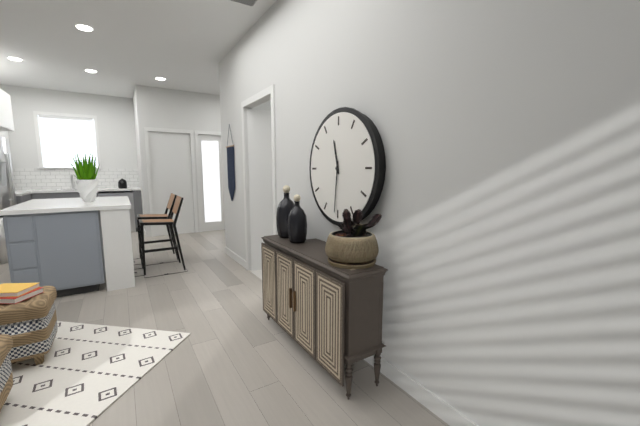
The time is h=11 m=31
